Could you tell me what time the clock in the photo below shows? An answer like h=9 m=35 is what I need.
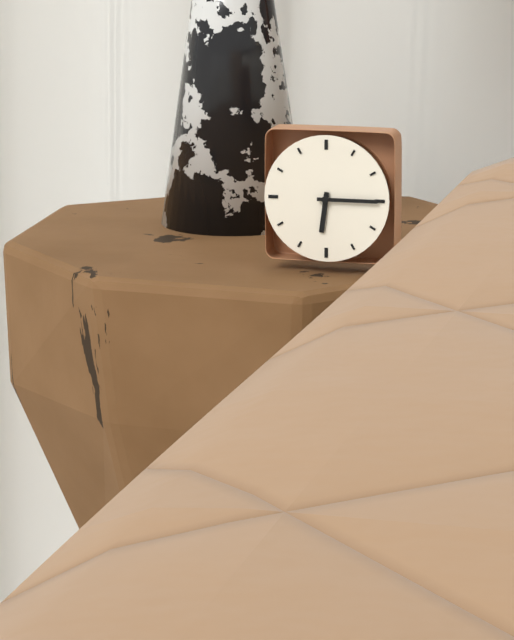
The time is h=6 m=15
